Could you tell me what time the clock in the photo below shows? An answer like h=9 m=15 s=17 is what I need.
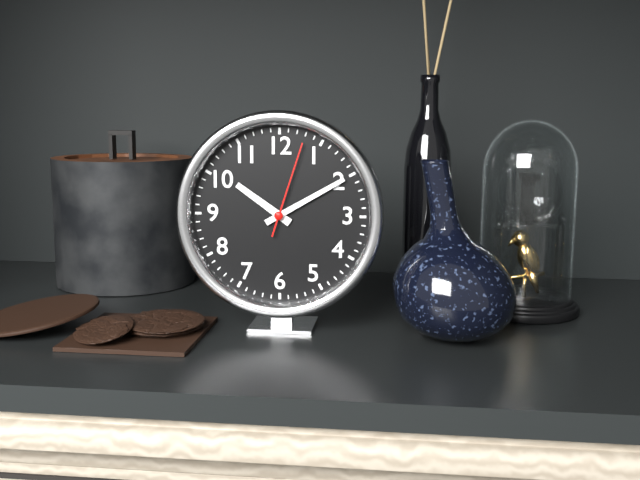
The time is h=10 m=10 s=3
